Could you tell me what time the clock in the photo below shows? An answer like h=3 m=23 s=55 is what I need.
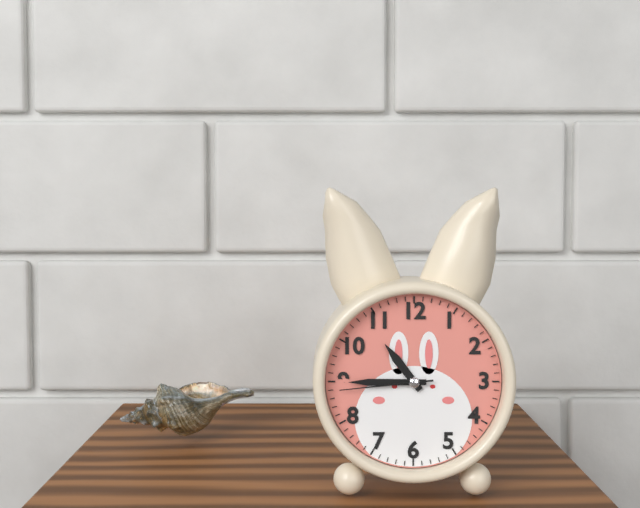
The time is h=10 m=45 s=44
